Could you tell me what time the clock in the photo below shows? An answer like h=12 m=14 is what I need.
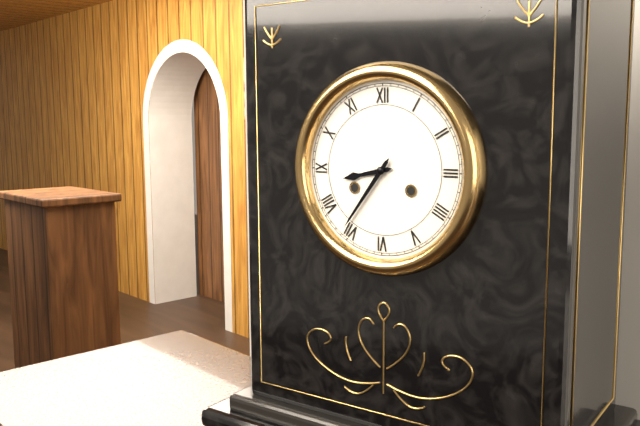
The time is h=8 m=36
